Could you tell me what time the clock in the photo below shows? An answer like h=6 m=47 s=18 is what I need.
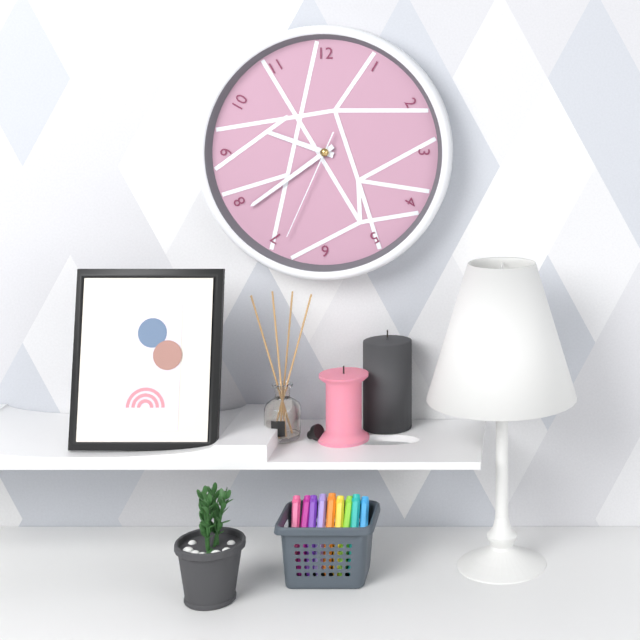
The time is h=9 m=39 s=34
